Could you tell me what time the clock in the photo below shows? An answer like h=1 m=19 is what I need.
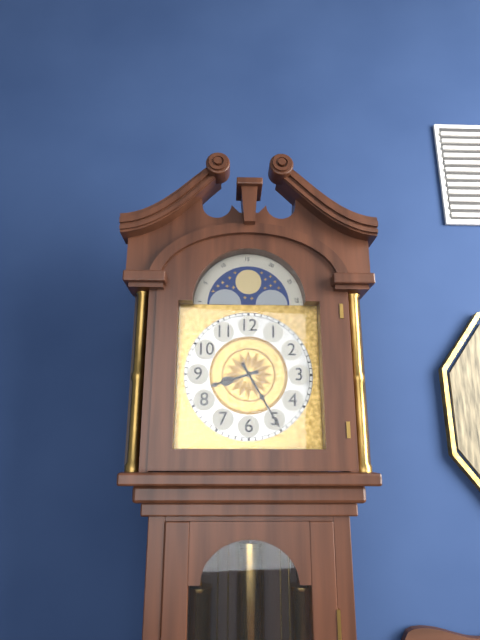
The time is h=8 m=25
